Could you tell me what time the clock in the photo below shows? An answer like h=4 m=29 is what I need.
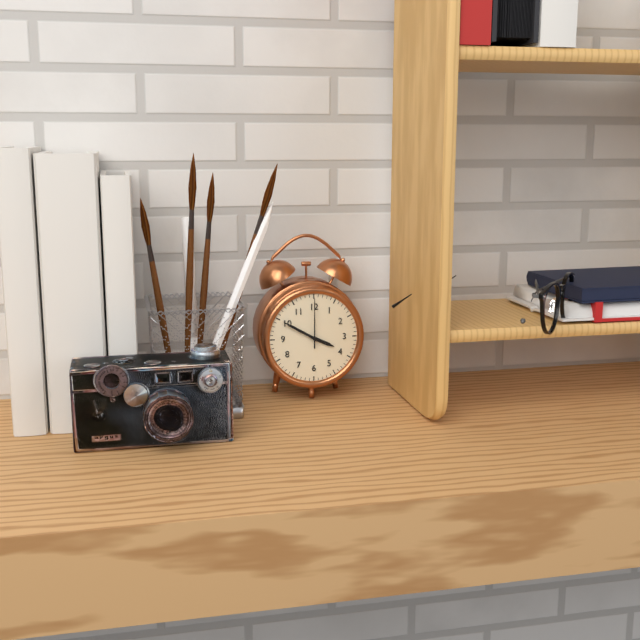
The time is h=3 m=50
